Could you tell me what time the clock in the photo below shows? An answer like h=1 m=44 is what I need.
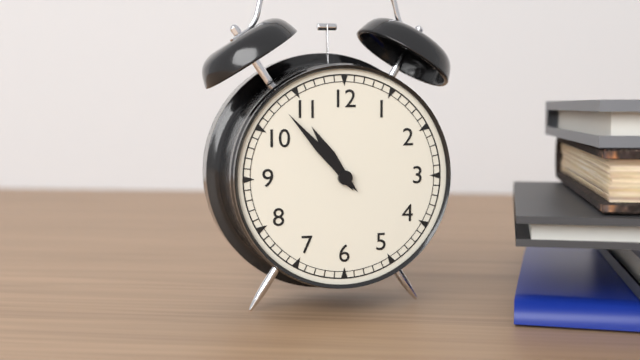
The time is h=10 m=53
